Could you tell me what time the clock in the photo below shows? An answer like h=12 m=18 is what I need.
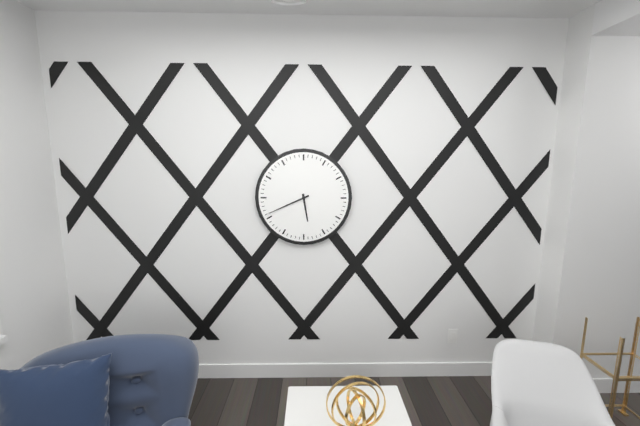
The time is h=5 m=41
